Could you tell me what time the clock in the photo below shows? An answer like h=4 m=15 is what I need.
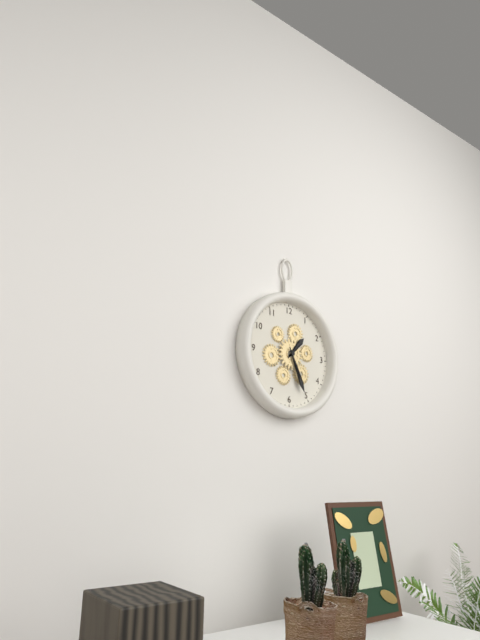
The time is h=1 m=26
